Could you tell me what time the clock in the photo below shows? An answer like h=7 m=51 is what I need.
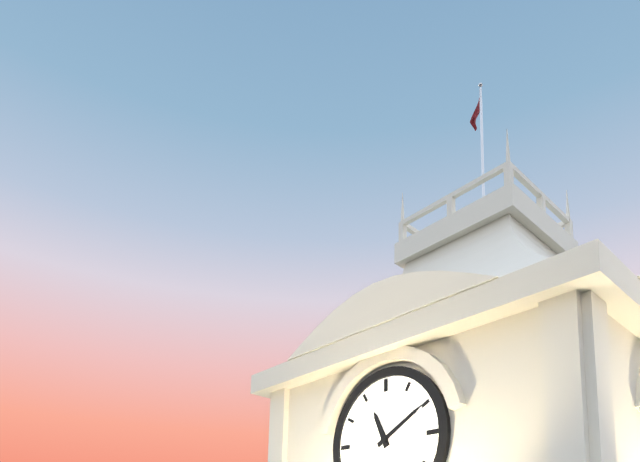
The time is h=11 m=10
